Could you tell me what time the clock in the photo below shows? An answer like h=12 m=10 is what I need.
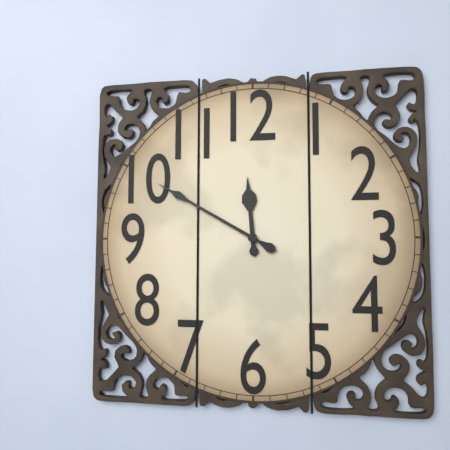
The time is h=11 m=50
